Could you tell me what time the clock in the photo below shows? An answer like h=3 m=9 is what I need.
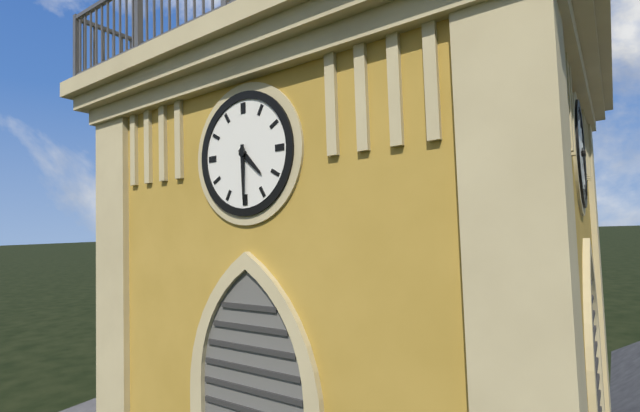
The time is h=4 m=30
